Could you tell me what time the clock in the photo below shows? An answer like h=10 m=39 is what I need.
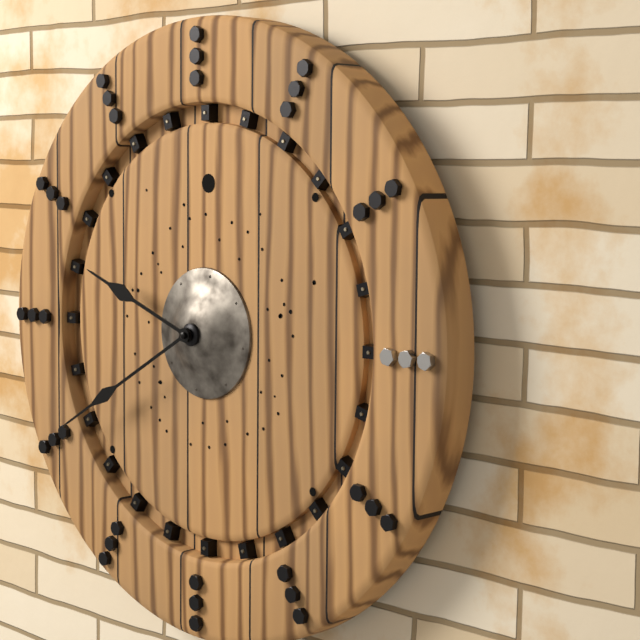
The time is h=9 m=40
